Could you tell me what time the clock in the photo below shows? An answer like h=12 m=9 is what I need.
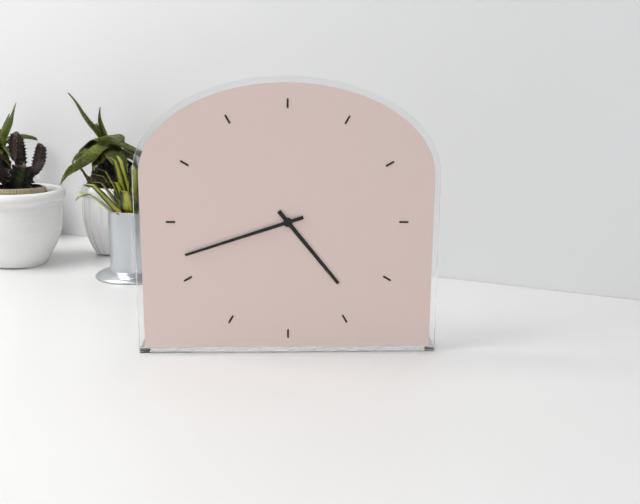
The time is h=4 m=42
